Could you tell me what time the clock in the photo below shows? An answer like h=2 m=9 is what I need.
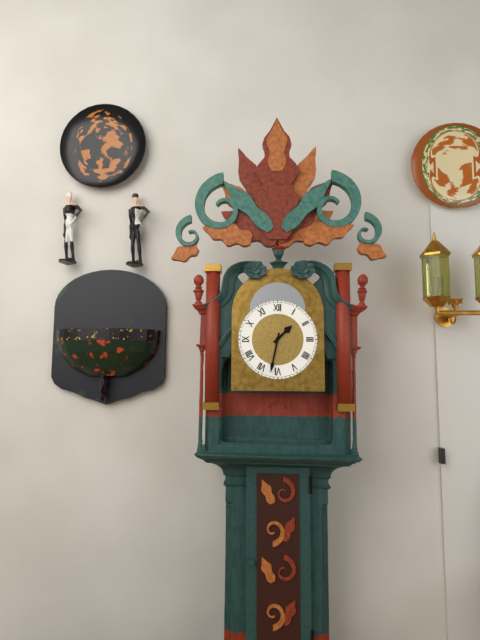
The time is h=1 m=32
